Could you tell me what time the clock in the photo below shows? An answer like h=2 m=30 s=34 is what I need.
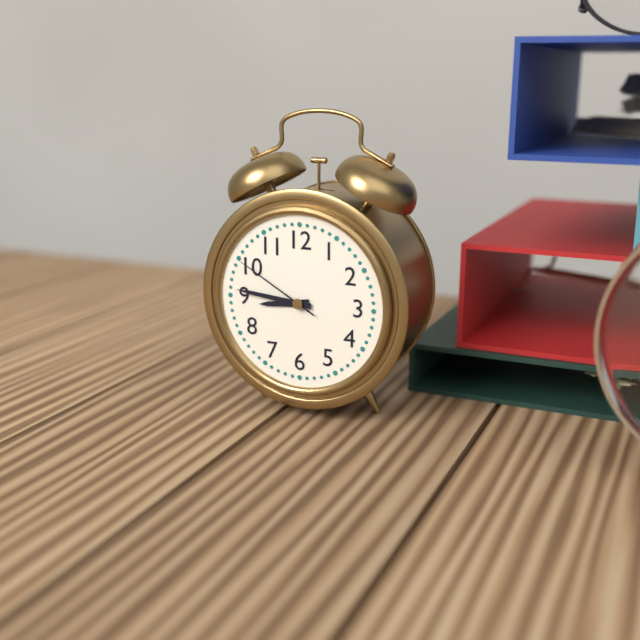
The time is h=8 m=46 s=50
